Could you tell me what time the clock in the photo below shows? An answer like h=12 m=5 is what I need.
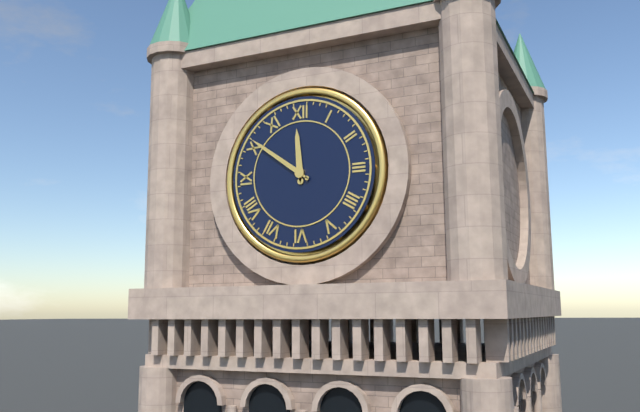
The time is h=11 m=51
